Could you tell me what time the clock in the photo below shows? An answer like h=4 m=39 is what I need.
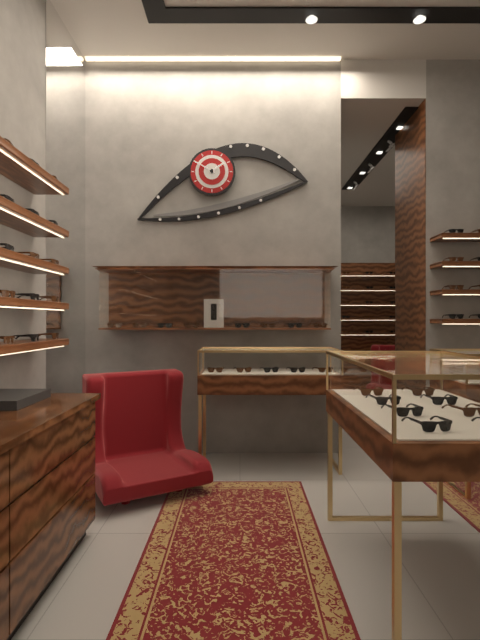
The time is h=1 m=50
